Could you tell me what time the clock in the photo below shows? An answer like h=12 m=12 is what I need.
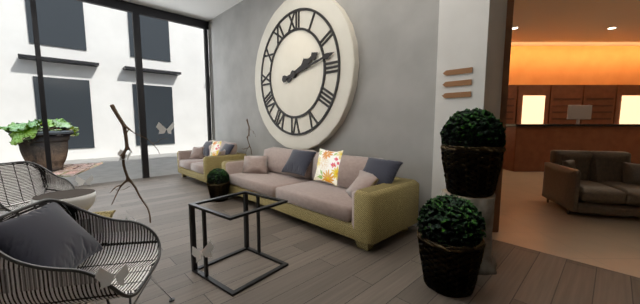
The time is h=2 m=13
